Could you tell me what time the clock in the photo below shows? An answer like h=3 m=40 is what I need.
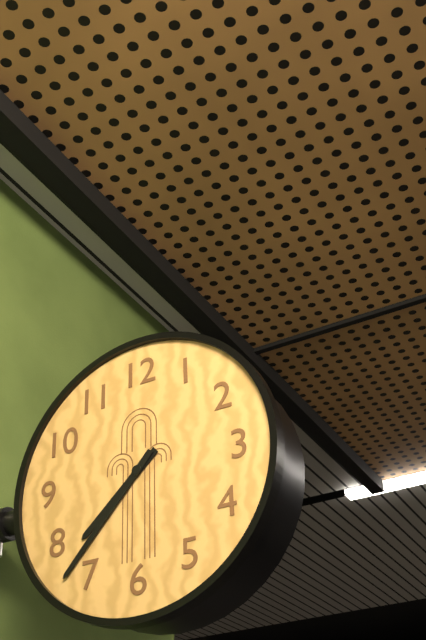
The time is h=7 m=37
